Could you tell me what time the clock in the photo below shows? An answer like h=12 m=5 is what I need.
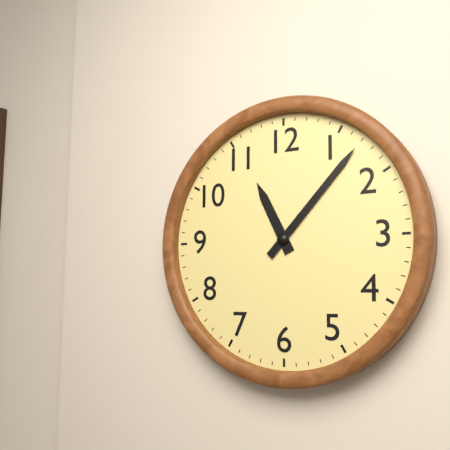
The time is h=11 m=7
